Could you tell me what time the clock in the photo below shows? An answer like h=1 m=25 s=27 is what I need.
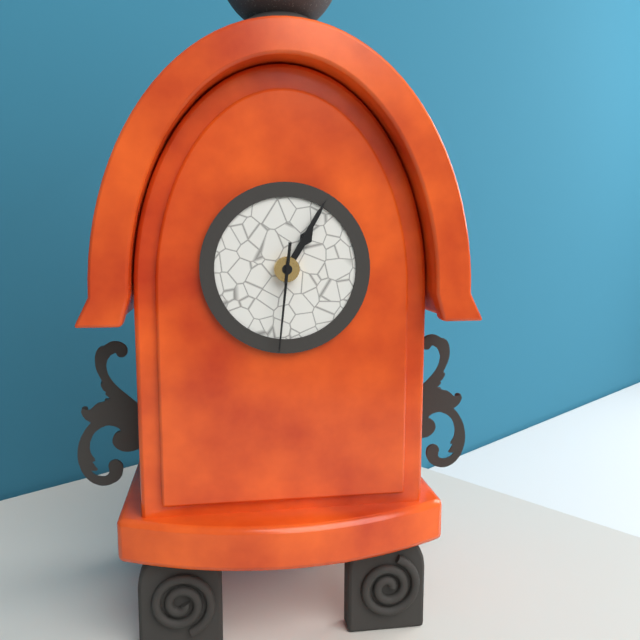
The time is h=1 m=5 s=31
